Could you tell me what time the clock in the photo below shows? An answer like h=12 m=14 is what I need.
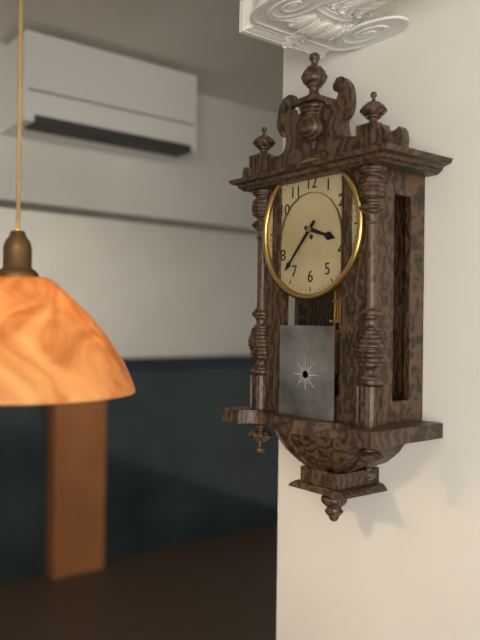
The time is h=3 m=37
